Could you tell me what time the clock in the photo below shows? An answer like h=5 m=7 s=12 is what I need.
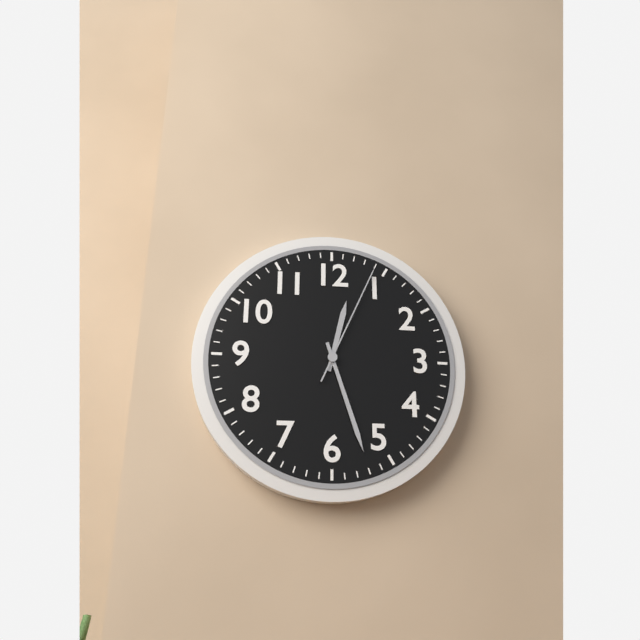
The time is h=12 m=27 s=4
